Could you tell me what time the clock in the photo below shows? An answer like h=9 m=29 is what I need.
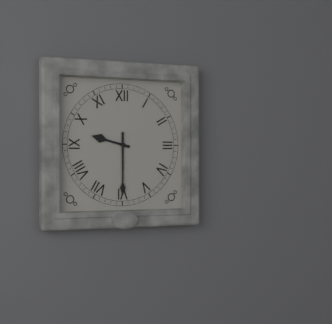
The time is h=9 m=30
